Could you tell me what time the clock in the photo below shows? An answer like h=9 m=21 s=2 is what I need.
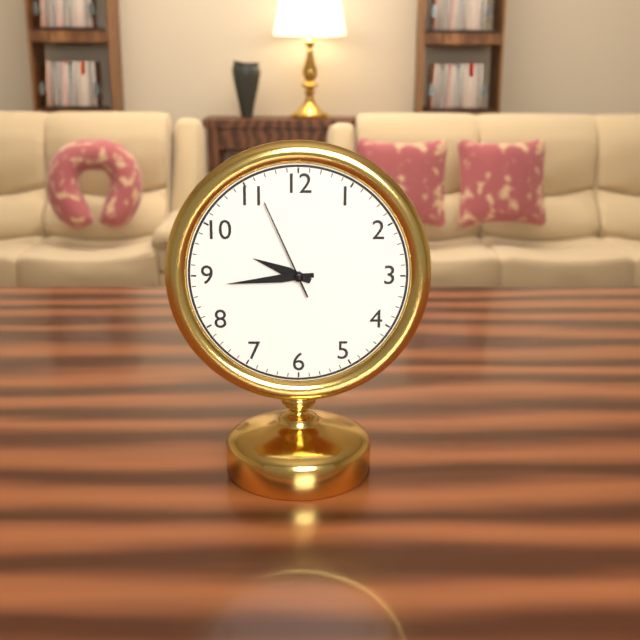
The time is h=9 m=44 s=56
